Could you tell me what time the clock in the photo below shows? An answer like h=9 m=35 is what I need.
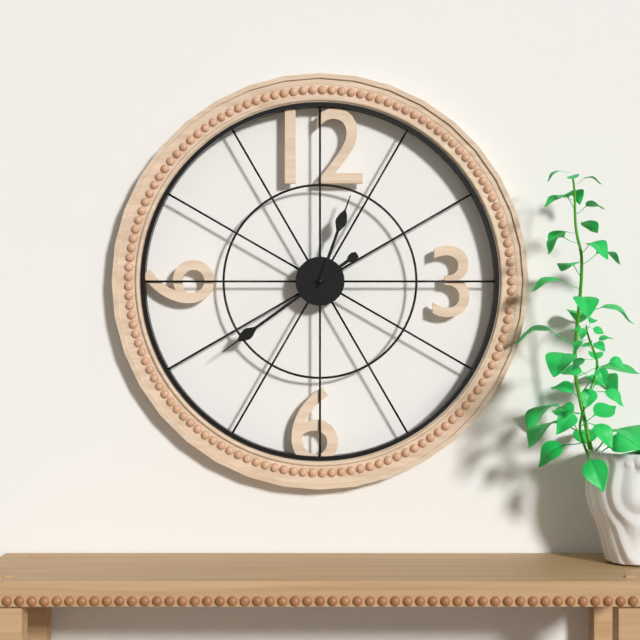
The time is h=12 m=39
